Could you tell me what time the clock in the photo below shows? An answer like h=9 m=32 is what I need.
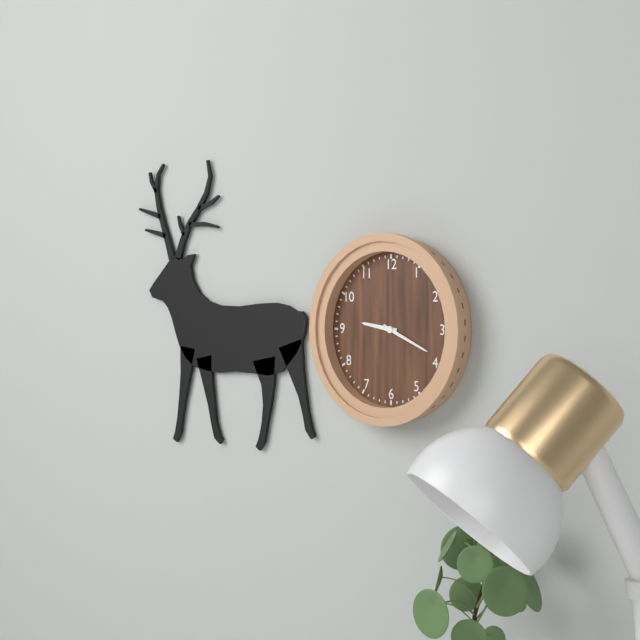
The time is h=9 m=19
